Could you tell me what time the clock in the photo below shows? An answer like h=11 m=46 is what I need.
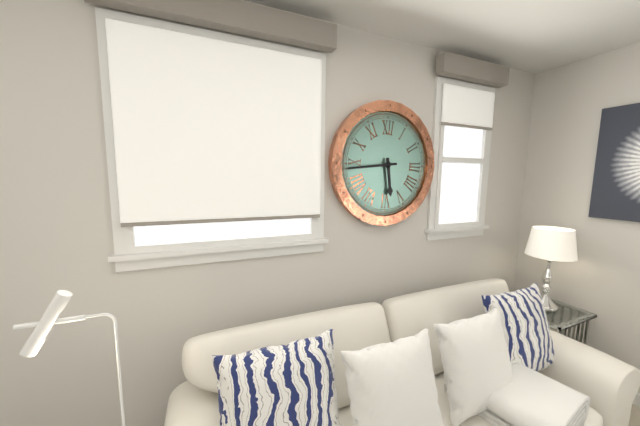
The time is h=5 m=44
